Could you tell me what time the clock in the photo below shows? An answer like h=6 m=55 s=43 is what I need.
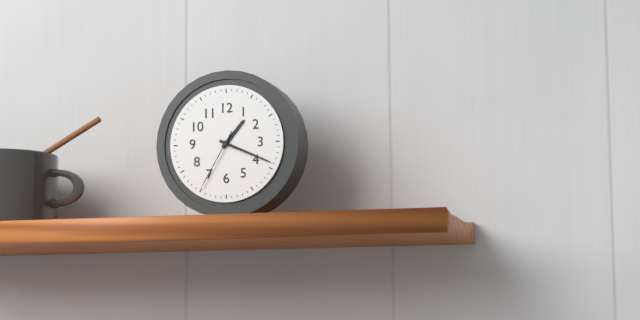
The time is h=1 m=19 s=35
